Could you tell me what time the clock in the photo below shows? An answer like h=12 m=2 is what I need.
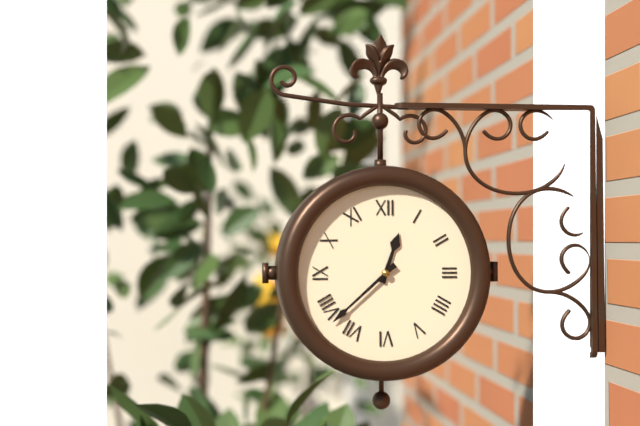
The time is h=12 m=38
